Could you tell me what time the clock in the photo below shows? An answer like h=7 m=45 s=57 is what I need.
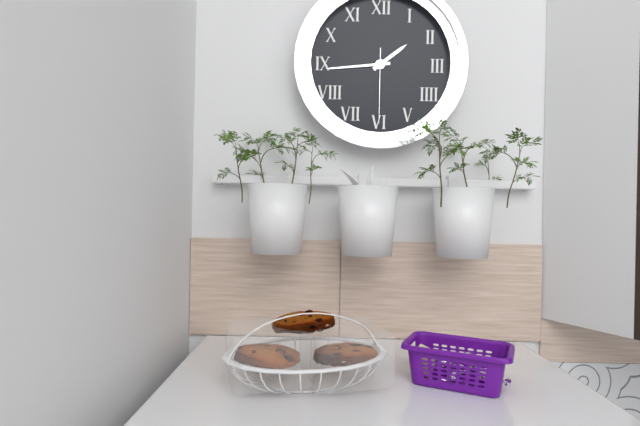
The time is h=1 m=44 s=30
